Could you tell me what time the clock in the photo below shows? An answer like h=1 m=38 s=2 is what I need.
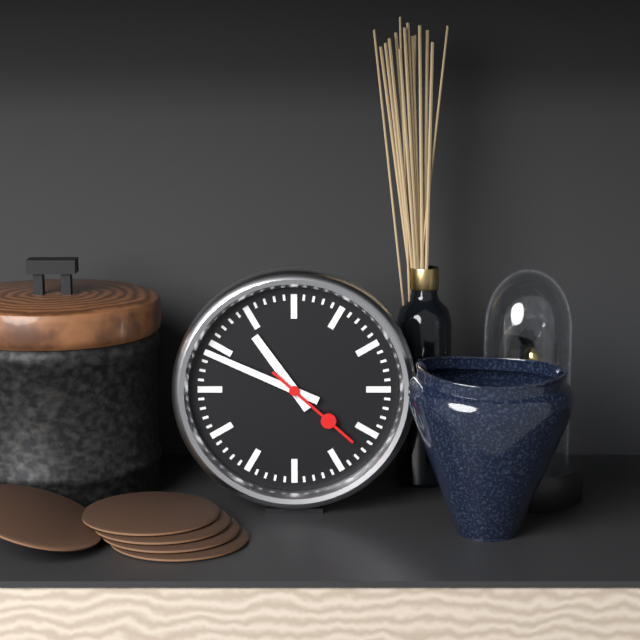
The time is h=10 m=49 s=22
